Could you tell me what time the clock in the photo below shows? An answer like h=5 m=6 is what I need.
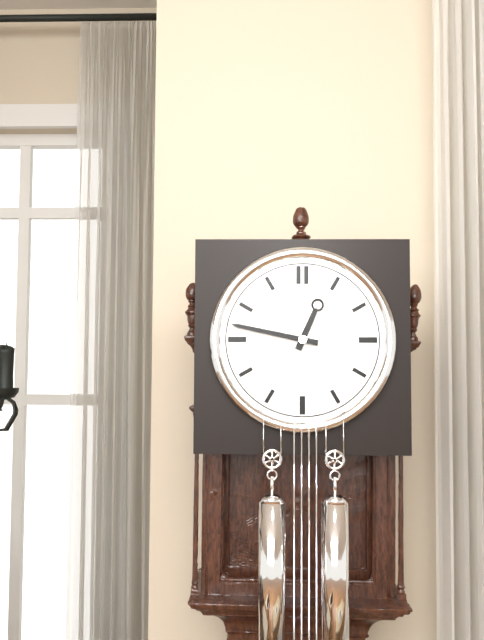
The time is h=12 m=47
